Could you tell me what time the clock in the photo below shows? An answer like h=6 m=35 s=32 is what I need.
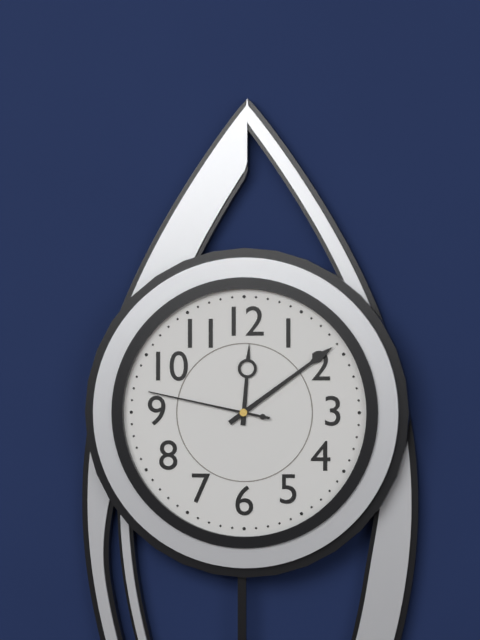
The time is h=12 m=9 s=47
